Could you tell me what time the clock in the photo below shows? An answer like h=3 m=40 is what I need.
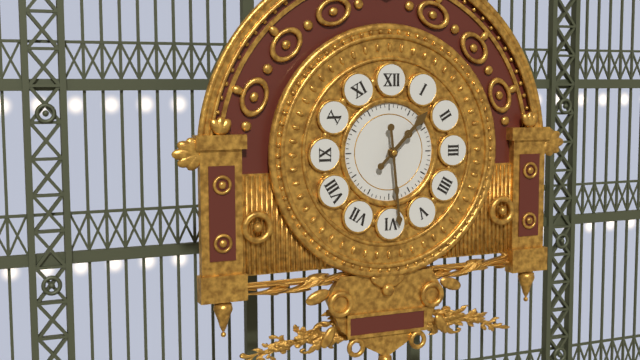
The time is h=1 m=29
